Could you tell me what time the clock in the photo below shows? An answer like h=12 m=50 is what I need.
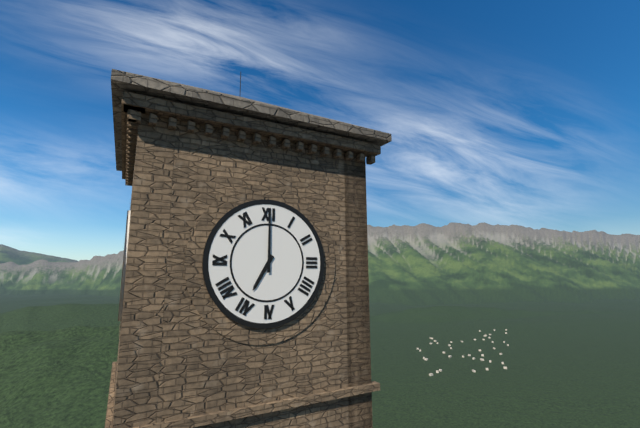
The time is h=7 m=0
